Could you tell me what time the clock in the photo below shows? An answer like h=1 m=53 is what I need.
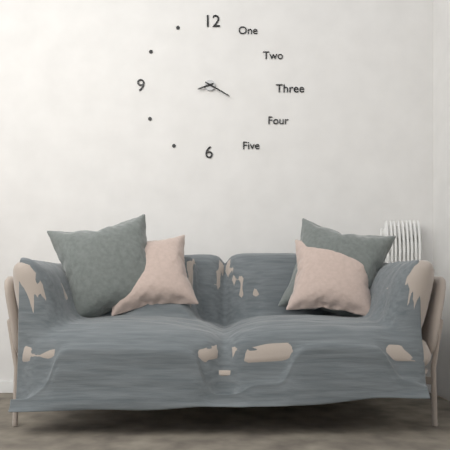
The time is h=8 m=20
